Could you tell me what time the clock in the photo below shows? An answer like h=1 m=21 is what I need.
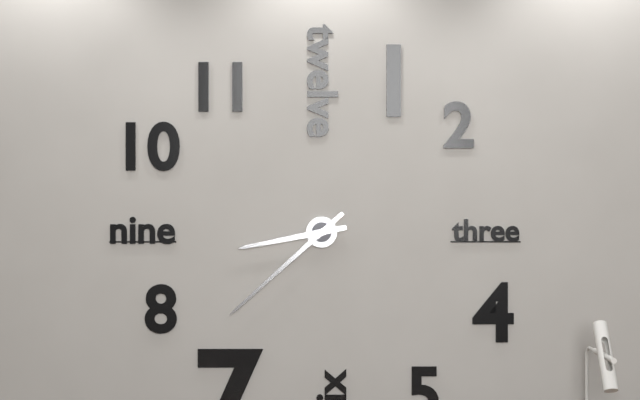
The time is h=8 m=38
